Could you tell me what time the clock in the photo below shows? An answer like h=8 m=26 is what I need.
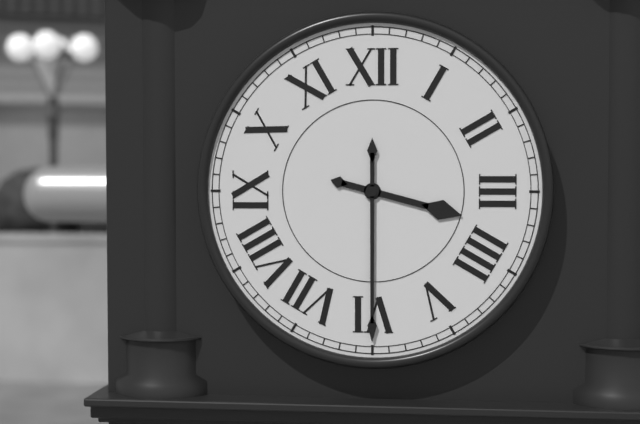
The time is h=3 m=30
